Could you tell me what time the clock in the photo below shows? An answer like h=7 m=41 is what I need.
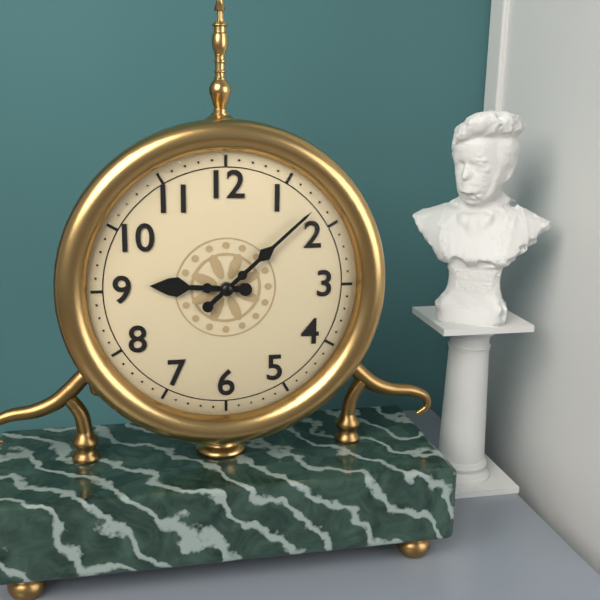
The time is h=9 m=8
